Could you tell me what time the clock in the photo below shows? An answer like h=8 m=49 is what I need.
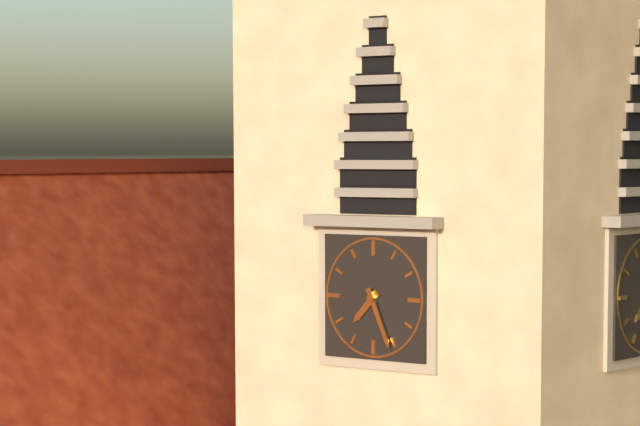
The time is h=7 m=26
